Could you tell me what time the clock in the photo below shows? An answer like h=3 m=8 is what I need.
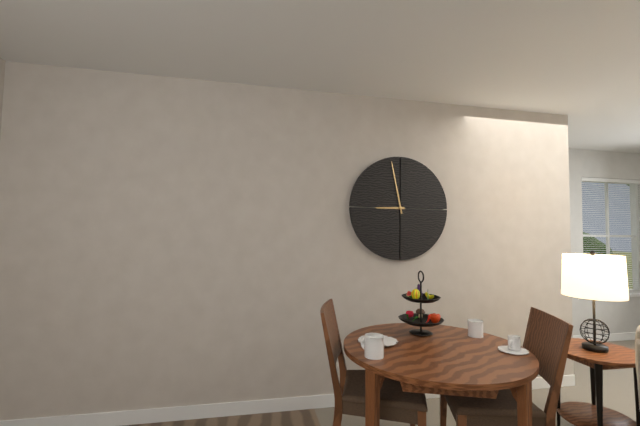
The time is h=8 m=58
